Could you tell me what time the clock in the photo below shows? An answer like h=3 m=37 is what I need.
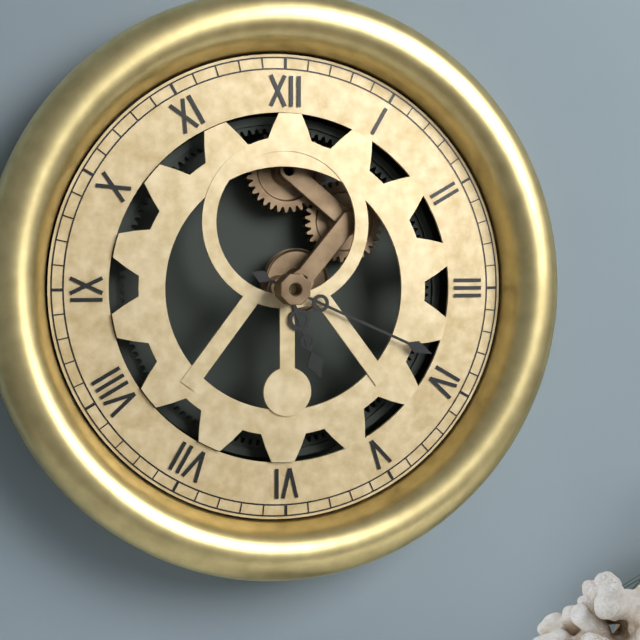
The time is h=5 m=19
